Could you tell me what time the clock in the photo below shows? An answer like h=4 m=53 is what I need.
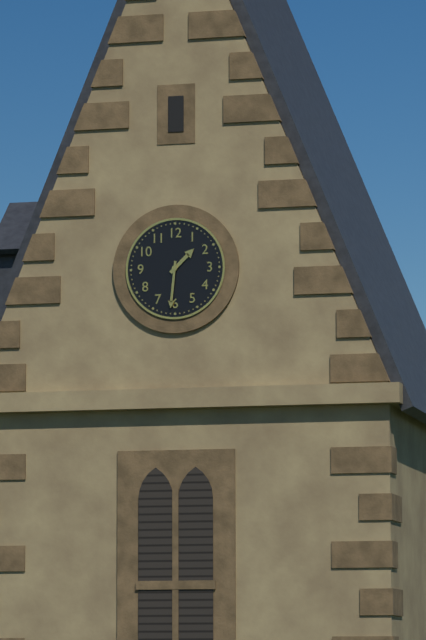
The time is h=1 m=31
